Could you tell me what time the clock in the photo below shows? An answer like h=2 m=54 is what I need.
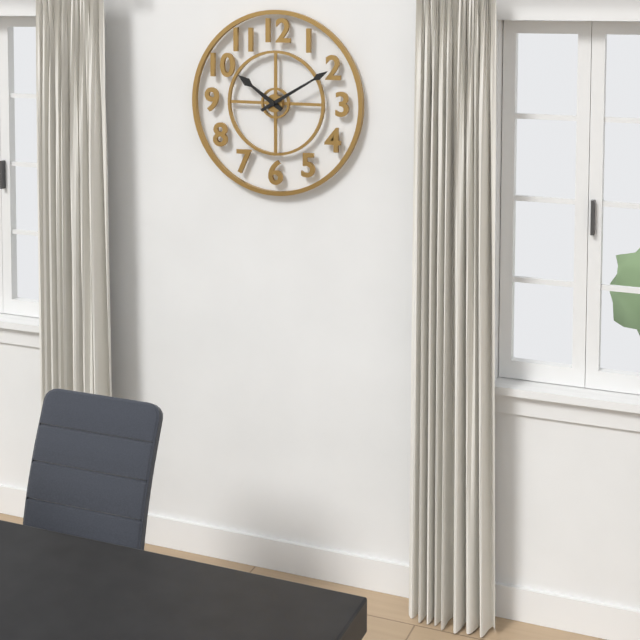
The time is h=10 m=10
